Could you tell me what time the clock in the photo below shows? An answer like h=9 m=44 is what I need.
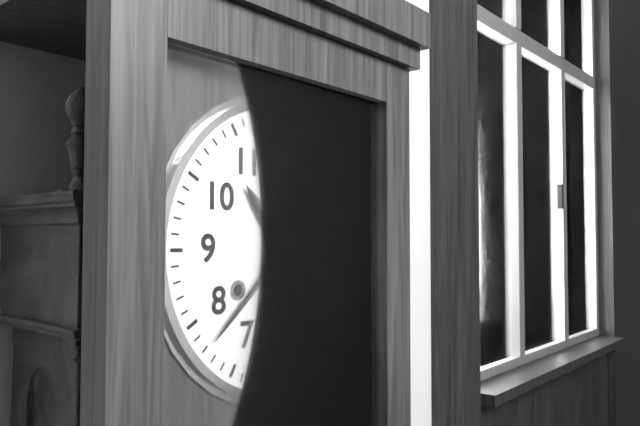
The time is h=10 m=38
